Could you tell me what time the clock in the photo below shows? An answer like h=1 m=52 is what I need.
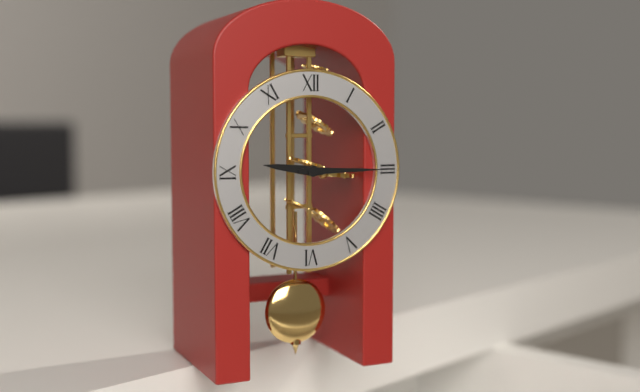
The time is h=9 m=15
